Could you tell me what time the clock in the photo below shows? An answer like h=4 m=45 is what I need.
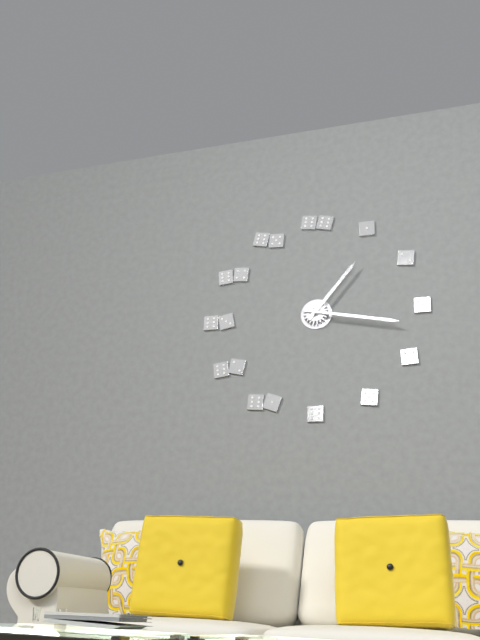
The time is h=1 m=17
